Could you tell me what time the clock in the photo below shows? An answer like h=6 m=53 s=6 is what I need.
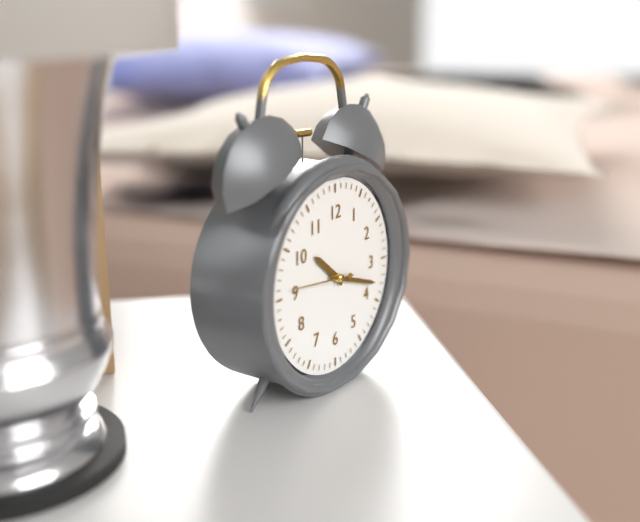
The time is h=10 m=18 s=46
